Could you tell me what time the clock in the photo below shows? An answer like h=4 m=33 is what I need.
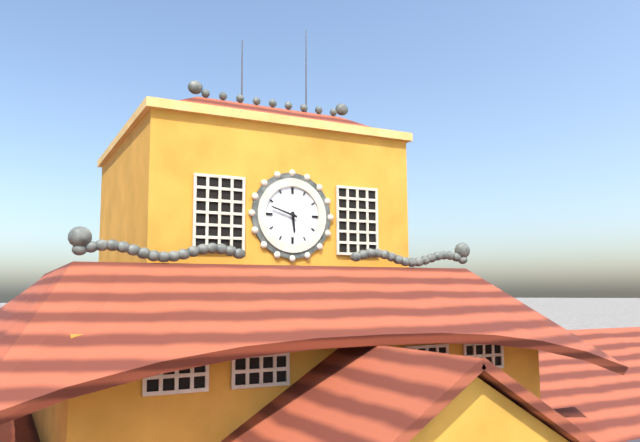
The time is h=5 m=48
